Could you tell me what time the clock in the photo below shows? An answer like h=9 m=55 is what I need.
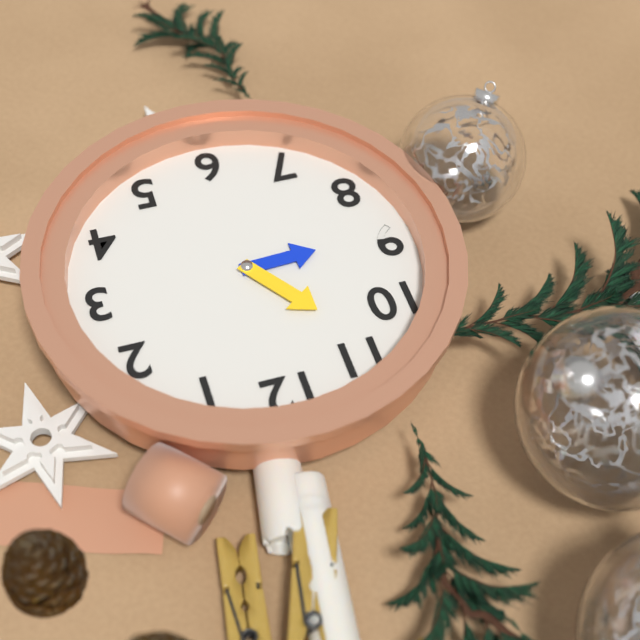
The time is h=8 m=54
